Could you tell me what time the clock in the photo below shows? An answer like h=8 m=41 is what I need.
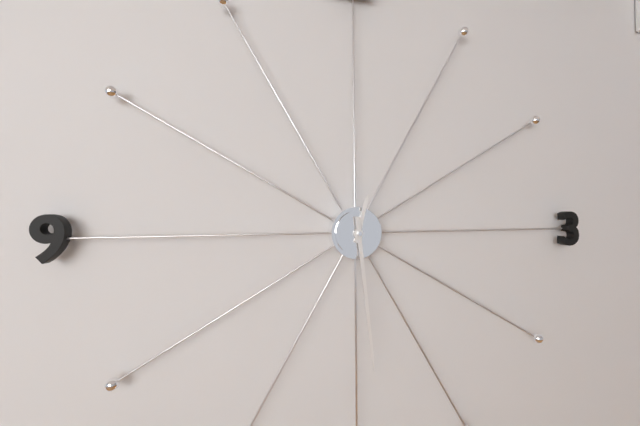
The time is h=12 m=29
